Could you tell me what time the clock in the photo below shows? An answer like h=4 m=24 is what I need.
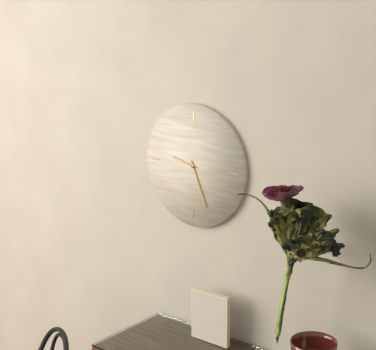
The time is h=9 m=26
